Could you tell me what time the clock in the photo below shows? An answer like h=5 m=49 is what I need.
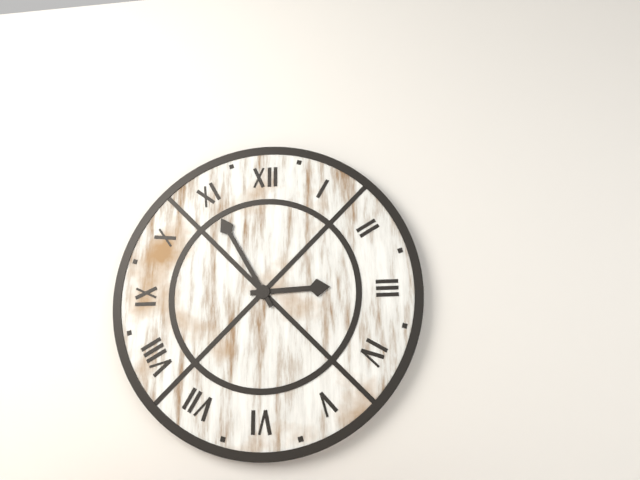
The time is h=2 m=55
